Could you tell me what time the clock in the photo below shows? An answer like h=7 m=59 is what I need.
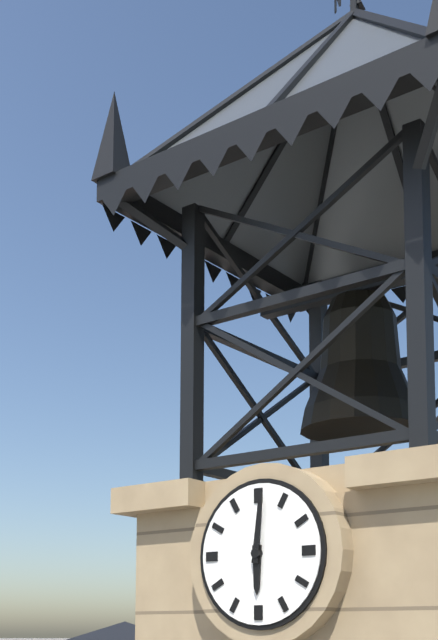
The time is h=6 m=1
